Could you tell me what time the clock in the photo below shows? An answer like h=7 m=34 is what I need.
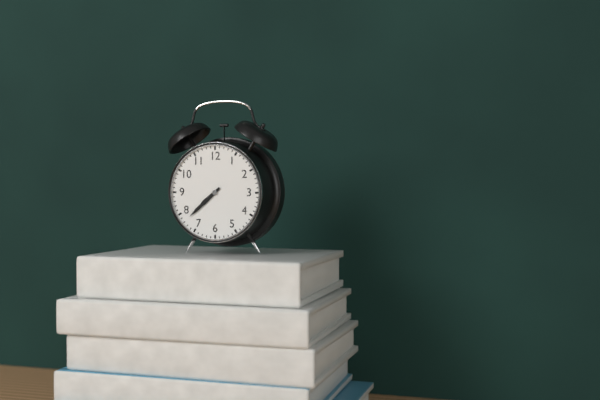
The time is h=7 m=38
